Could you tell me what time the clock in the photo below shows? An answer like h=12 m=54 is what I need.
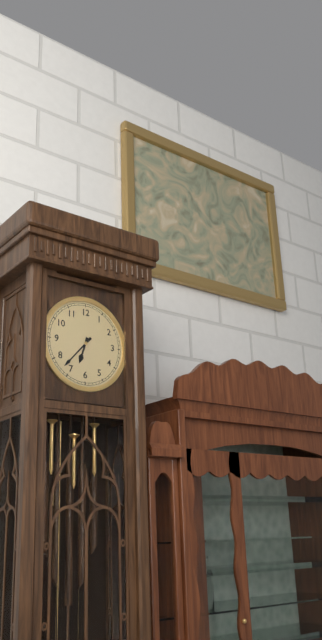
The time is h=6 m=37
